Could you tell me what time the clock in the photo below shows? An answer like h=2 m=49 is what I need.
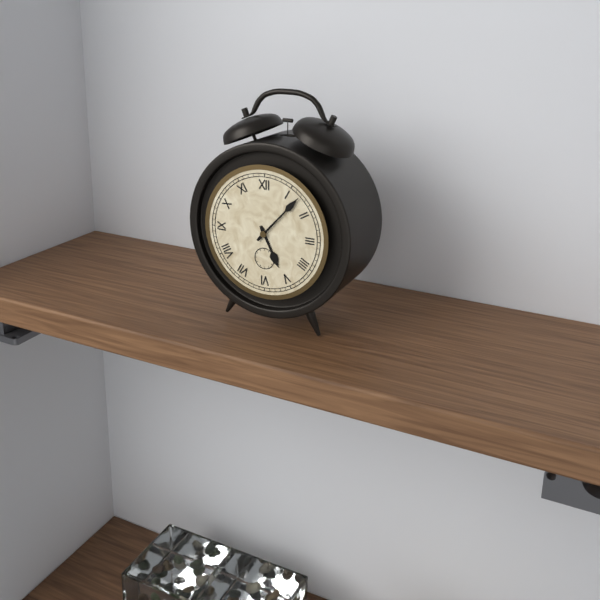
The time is h=5 m=7
